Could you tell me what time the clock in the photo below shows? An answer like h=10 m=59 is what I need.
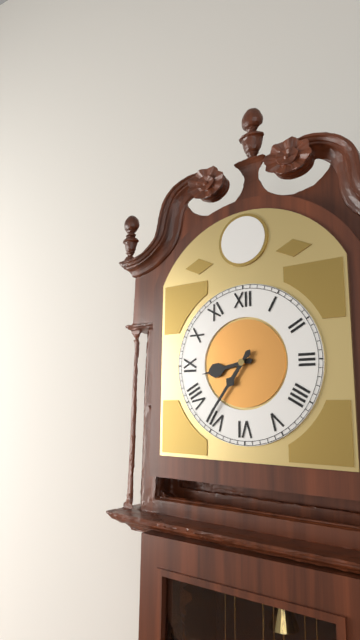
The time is h=8 m=36
